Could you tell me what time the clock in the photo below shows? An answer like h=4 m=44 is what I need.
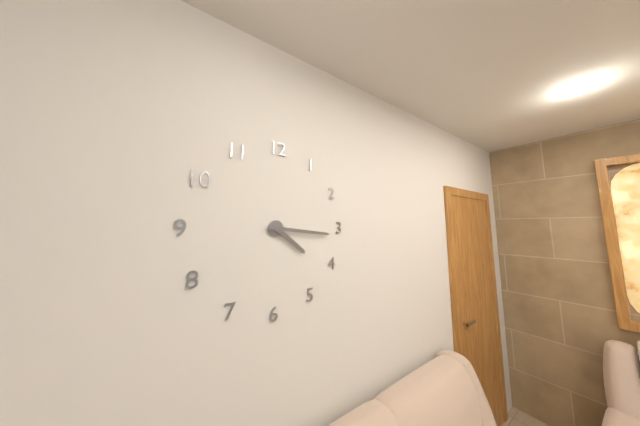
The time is h=4 m=16
